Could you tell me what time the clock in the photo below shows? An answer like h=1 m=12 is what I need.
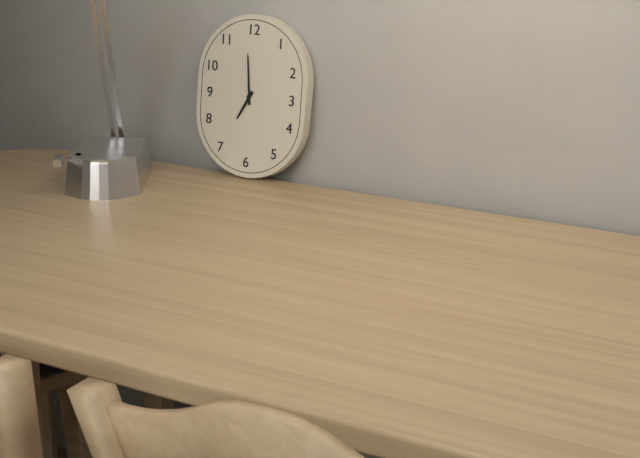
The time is h=6 m=59
